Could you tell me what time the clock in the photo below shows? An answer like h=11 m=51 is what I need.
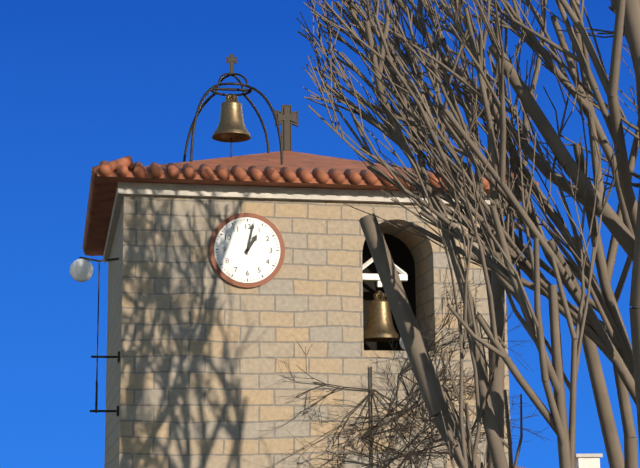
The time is h=1 m=2
